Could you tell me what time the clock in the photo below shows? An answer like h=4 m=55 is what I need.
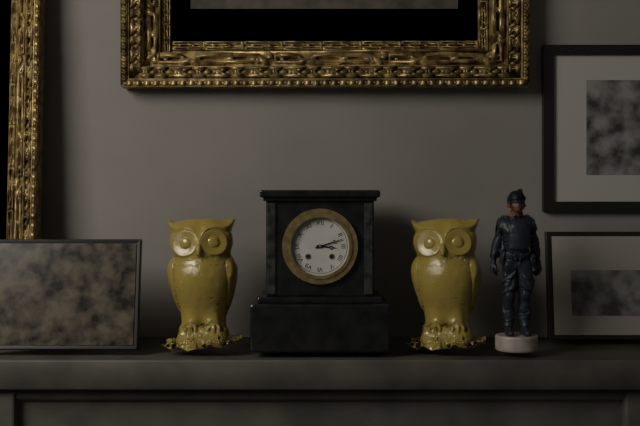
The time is h=3 m=12
